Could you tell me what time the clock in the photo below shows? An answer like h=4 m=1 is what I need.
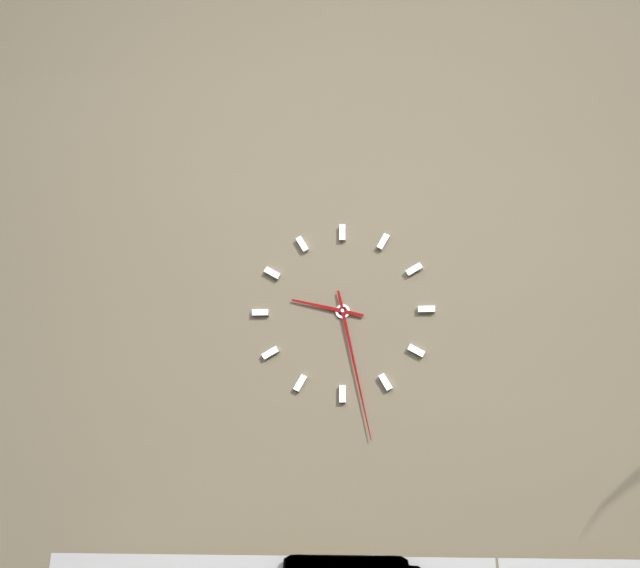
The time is h=9 m=28
